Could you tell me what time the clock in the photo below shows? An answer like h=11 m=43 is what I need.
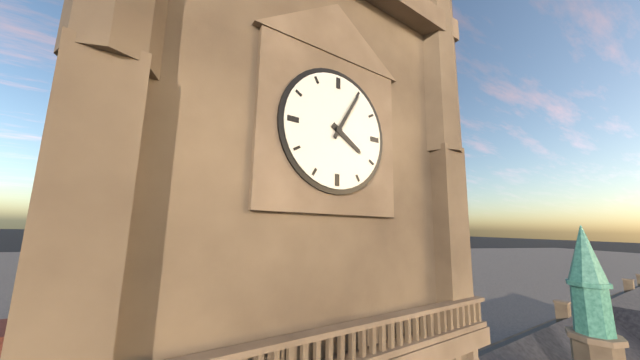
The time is h=4 m=5
